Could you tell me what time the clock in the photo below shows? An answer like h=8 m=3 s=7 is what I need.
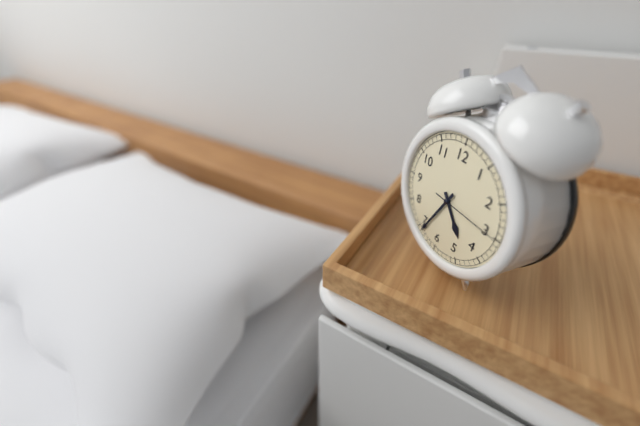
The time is h=4 m=34 s=15
